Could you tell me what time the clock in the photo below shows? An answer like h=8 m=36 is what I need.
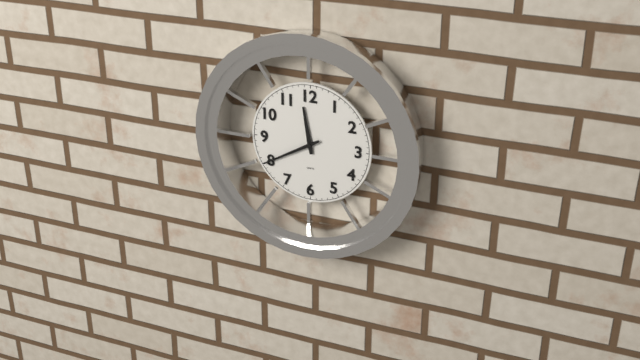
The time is h=11 m=40
